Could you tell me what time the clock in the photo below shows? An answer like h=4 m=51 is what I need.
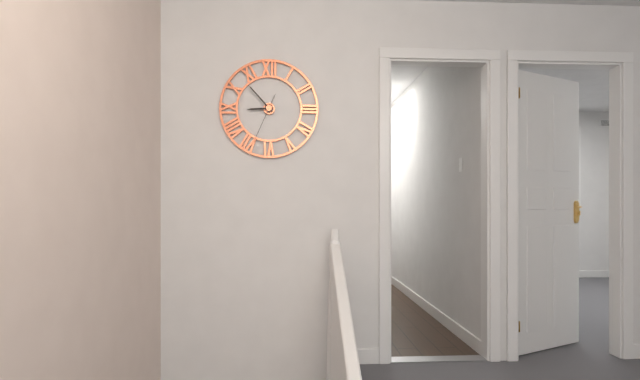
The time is h=8 m=53
